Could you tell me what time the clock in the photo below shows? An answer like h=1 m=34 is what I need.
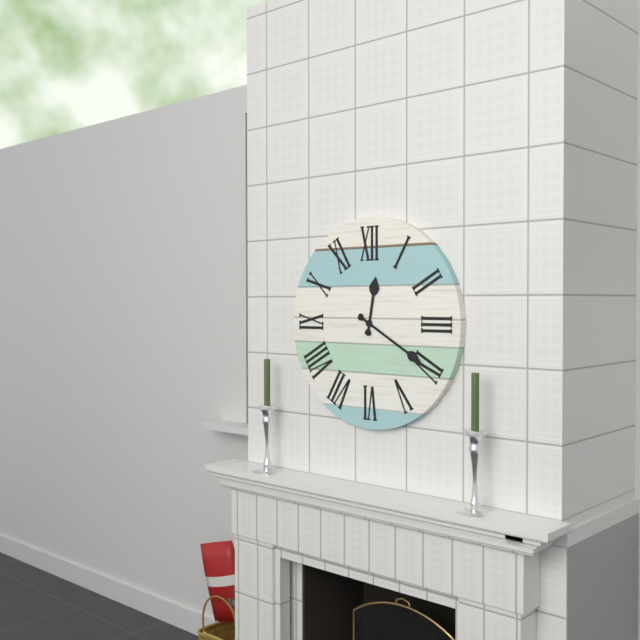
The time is h=12 m=20
